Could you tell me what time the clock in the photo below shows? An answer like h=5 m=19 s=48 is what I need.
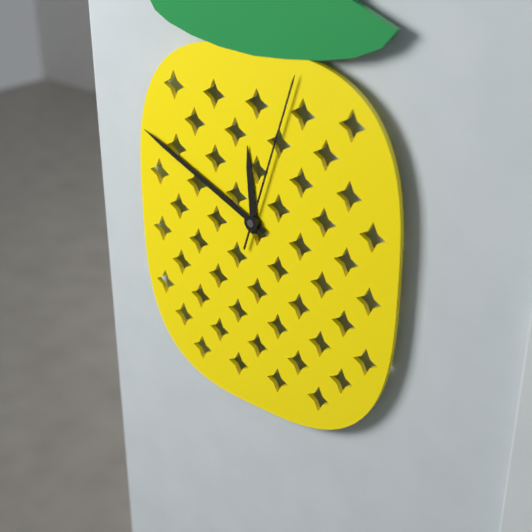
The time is h=11 m=49 s=3
